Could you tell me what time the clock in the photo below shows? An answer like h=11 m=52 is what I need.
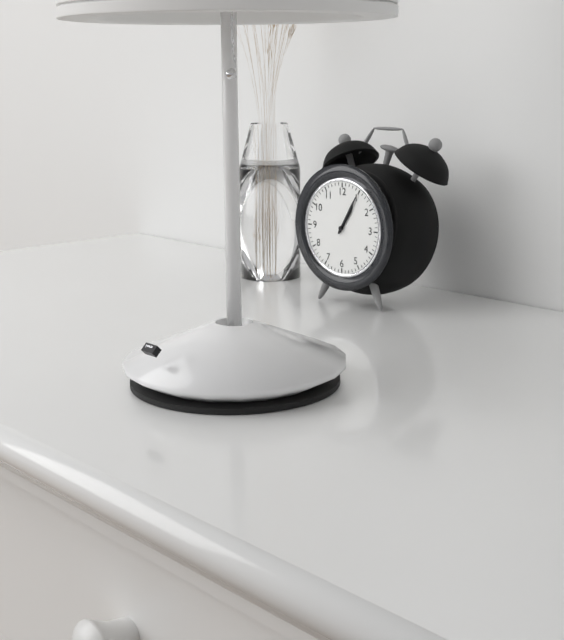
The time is h=1 m=5
